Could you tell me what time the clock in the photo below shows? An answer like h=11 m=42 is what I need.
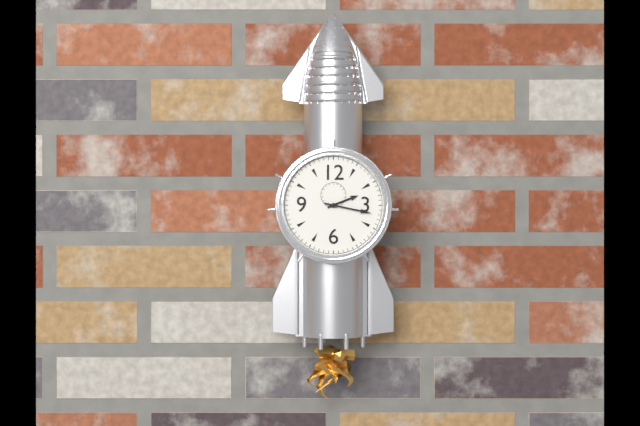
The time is h=2 m=17
